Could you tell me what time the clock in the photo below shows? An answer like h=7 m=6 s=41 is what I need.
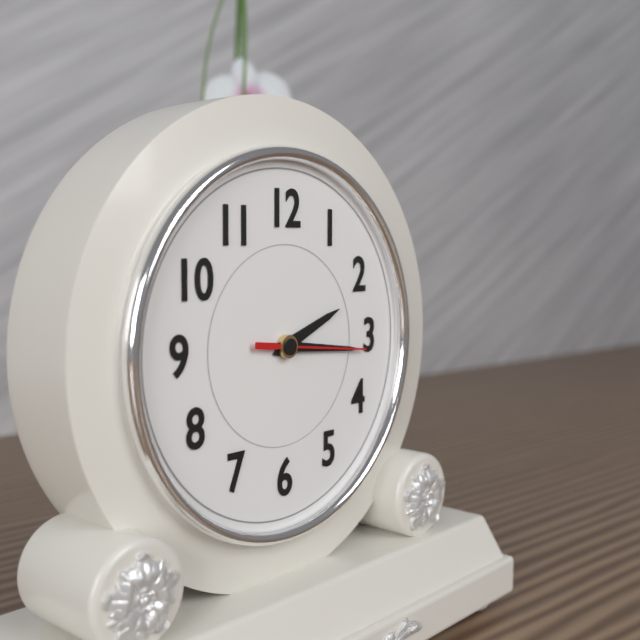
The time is h=2 m=16 s=16
